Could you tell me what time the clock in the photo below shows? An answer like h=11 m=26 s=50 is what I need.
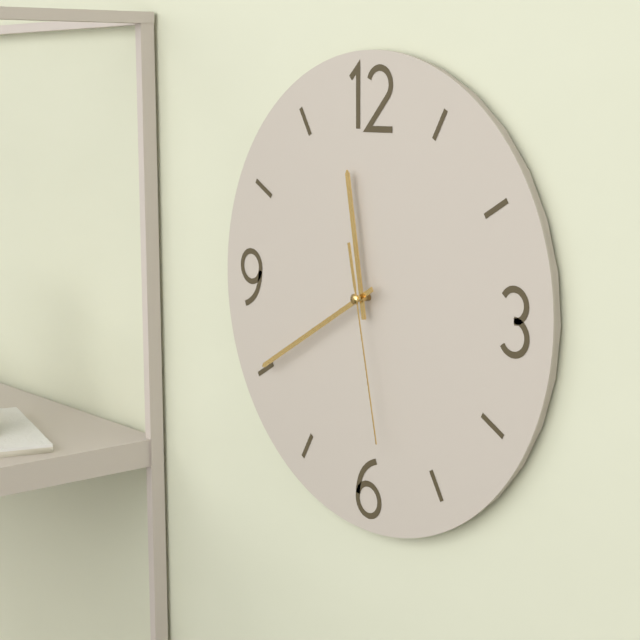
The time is h=11 m=40 s=28
